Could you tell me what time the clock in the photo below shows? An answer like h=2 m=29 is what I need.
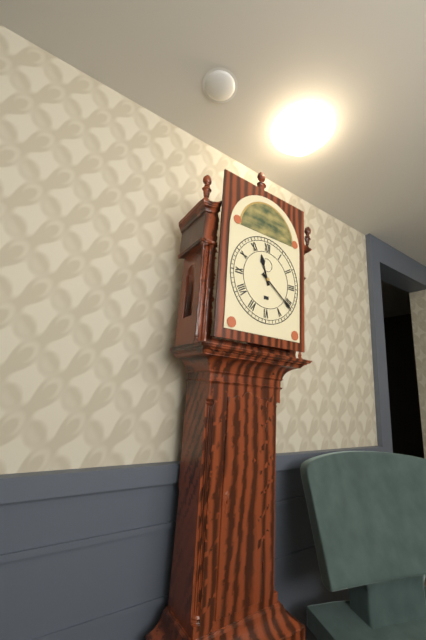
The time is h=11 m=21
